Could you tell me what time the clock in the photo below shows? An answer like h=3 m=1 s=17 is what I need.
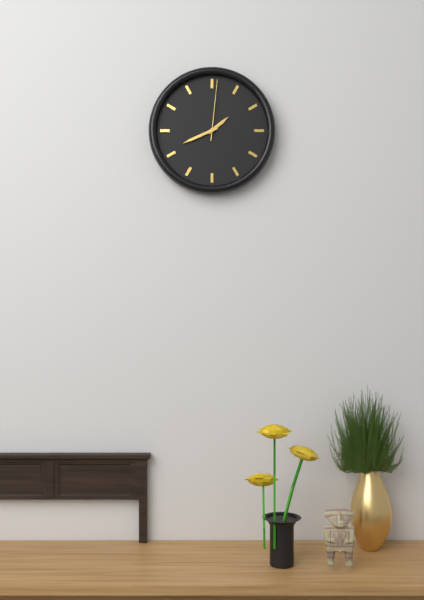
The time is h=1 m=41 s=1
